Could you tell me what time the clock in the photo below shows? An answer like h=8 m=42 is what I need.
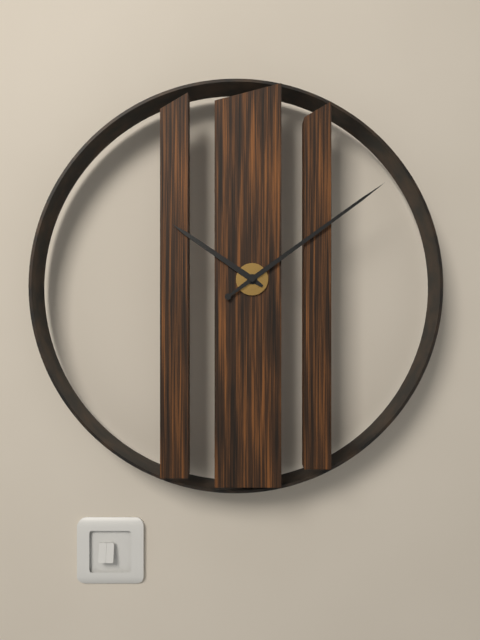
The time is h=10 m=9
